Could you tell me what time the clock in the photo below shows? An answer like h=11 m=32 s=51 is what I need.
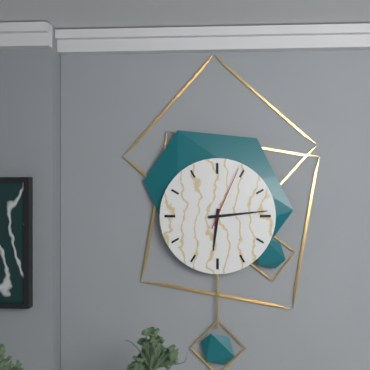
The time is h=6 m=14 s=4
